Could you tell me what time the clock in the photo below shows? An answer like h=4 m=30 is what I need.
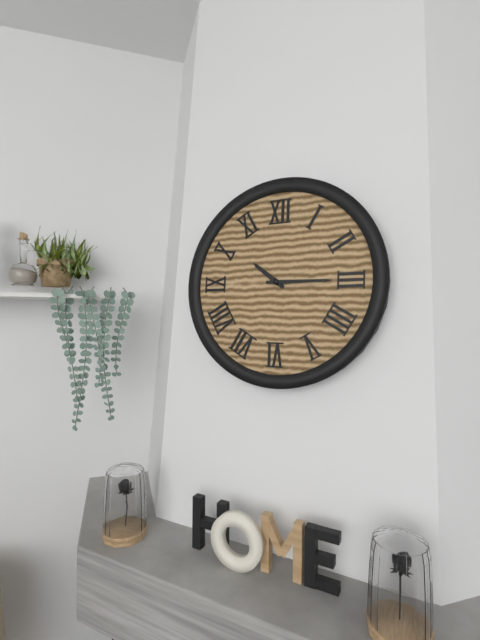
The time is h=10 m=15
